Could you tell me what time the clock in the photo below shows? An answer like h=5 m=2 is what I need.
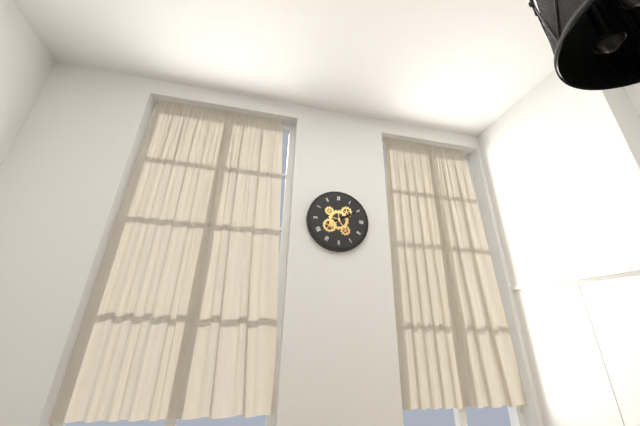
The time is h=2 m=10
